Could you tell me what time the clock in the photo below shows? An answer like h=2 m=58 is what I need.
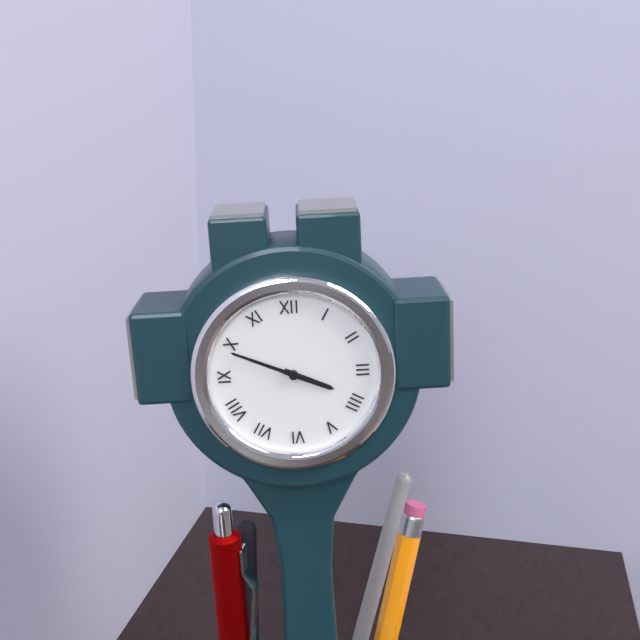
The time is h=3 m=49
